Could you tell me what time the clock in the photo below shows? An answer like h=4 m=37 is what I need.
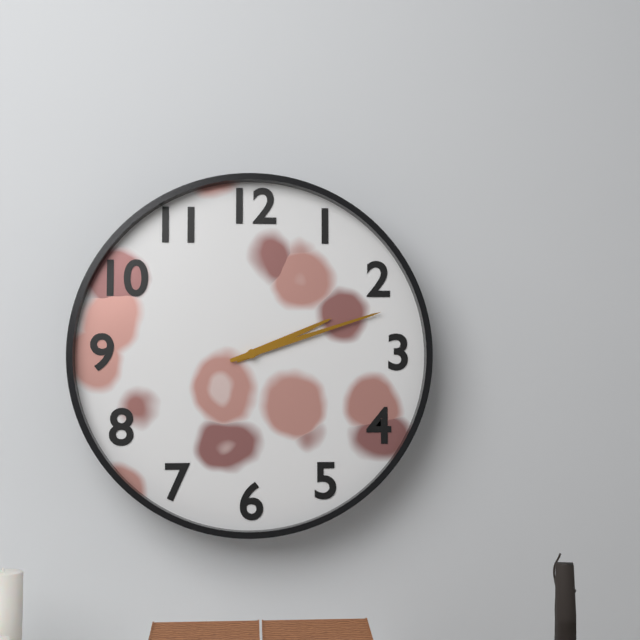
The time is h=2 m=12
